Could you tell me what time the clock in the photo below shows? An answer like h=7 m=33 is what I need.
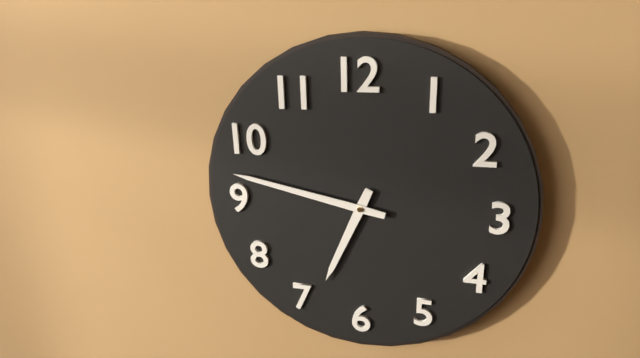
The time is h=6 m=47
